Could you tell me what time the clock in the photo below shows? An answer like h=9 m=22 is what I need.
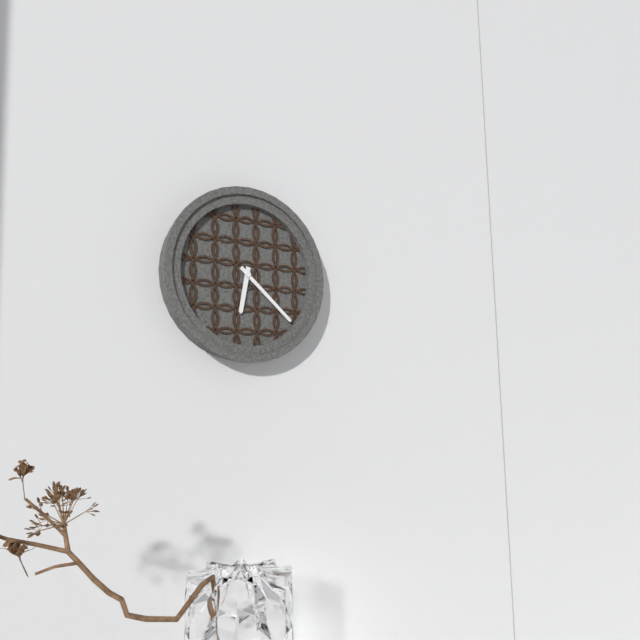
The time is h=6 m=22
